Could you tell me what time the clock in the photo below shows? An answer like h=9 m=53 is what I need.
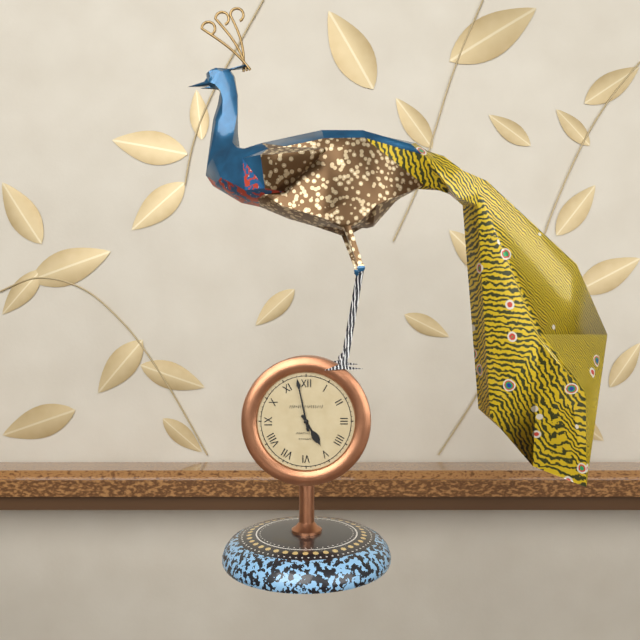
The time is h=4 m=58
